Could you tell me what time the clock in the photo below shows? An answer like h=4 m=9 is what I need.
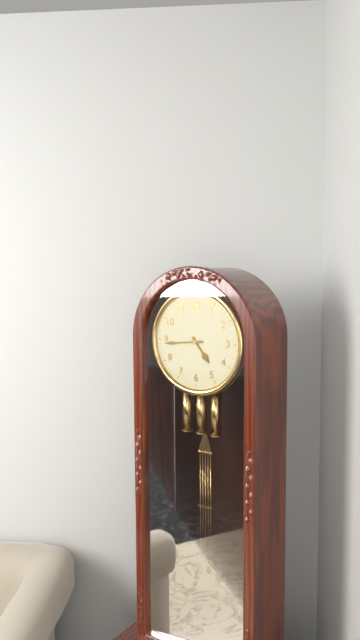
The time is h=4 m=44
